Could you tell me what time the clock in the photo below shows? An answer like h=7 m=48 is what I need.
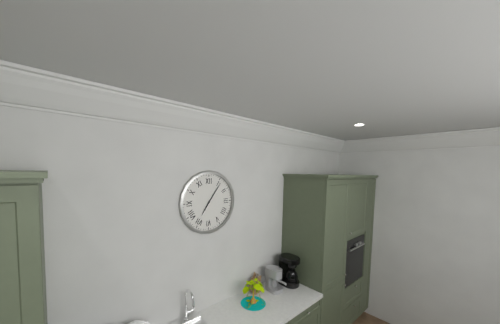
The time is h=7 m=6
